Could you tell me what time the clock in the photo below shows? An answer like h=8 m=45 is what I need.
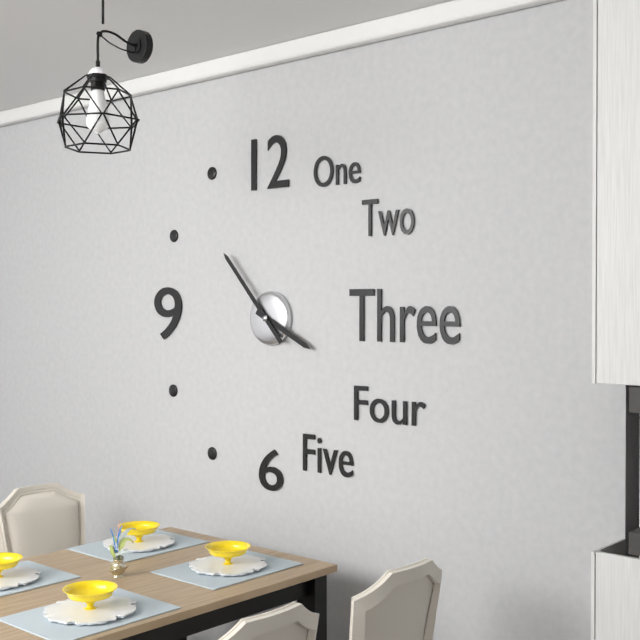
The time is h=3 m=53
